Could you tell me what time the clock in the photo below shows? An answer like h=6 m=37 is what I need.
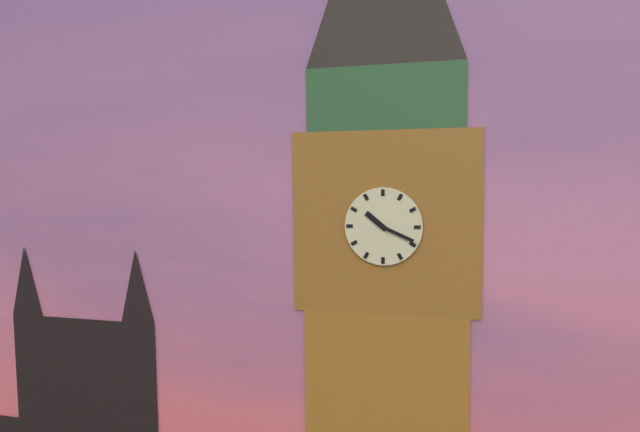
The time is h=10 m=19
